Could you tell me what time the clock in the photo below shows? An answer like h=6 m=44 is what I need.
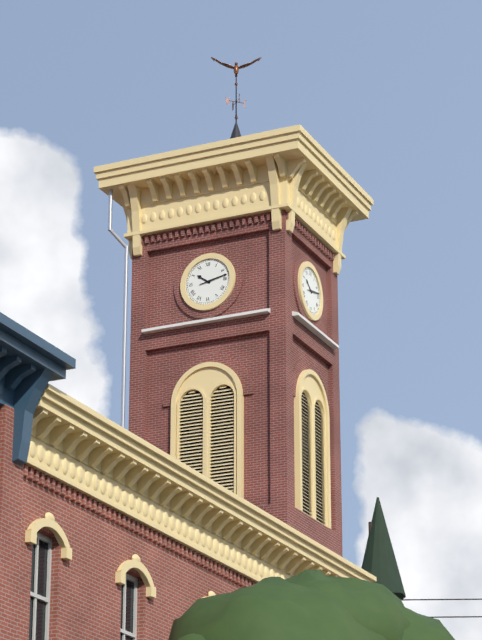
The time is h=10 m=13
